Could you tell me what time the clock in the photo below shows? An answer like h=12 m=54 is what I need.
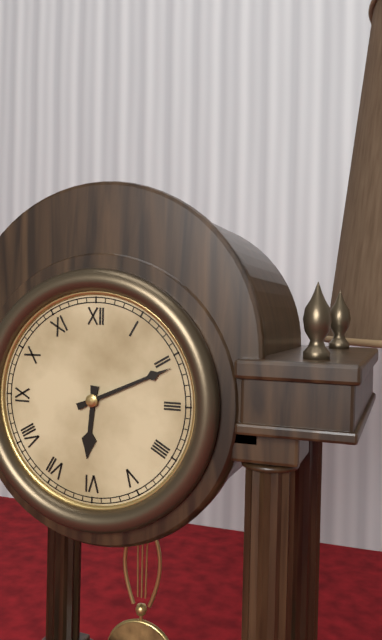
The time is h=6 m=11
